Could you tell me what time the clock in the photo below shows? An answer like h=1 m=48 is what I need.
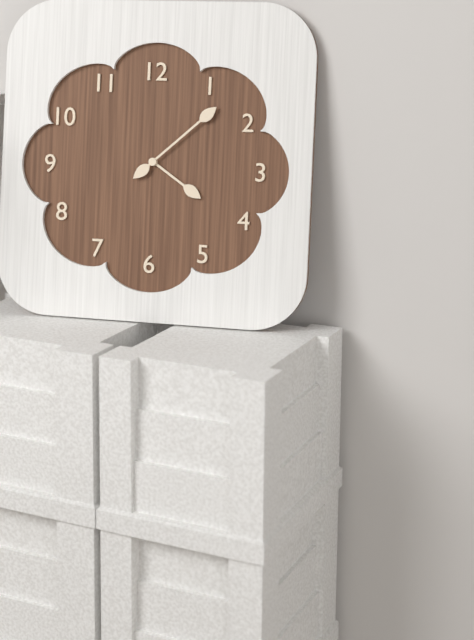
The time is h=4 m=8
